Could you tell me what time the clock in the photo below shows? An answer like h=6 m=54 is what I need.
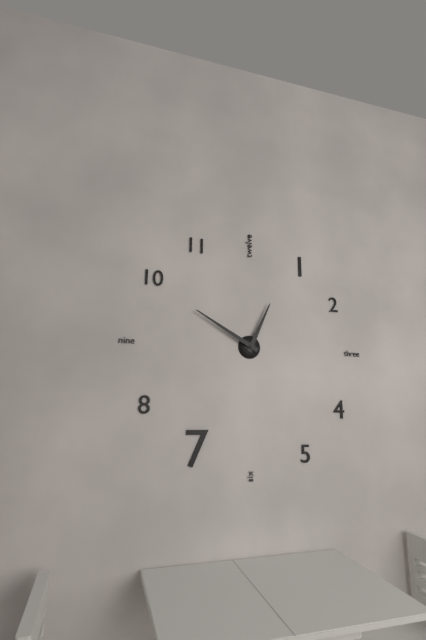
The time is h=12 m=50
